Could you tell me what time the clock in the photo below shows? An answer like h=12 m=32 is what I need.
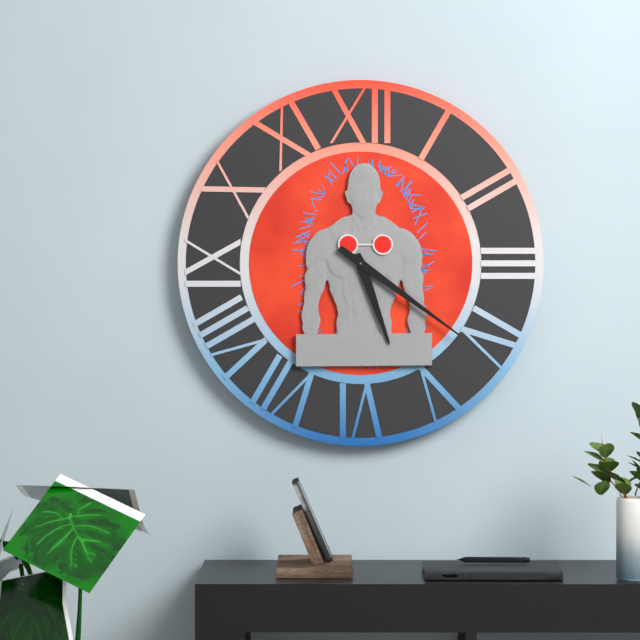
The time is h=5 m=21
